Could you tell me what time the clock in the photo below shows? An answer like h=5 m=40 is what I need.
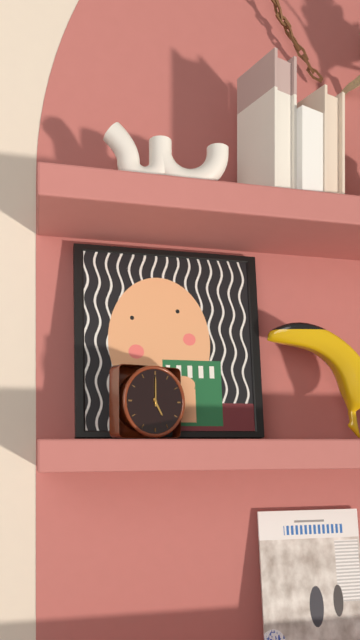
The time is h=5 m=0
